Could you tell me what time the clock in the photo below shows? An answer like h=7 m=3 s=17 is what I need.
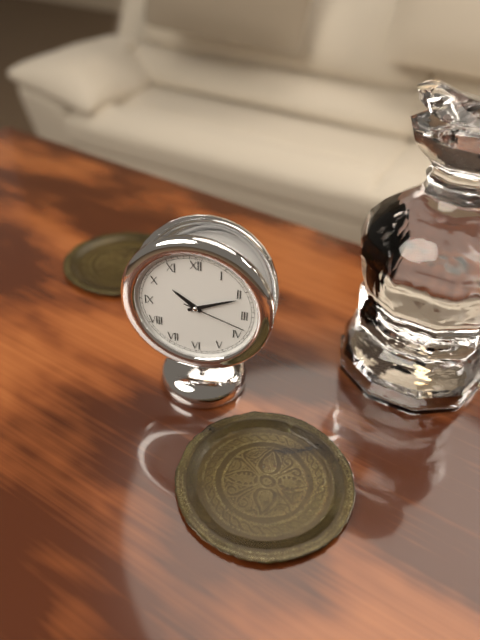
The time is h=10 m=11 s=18
